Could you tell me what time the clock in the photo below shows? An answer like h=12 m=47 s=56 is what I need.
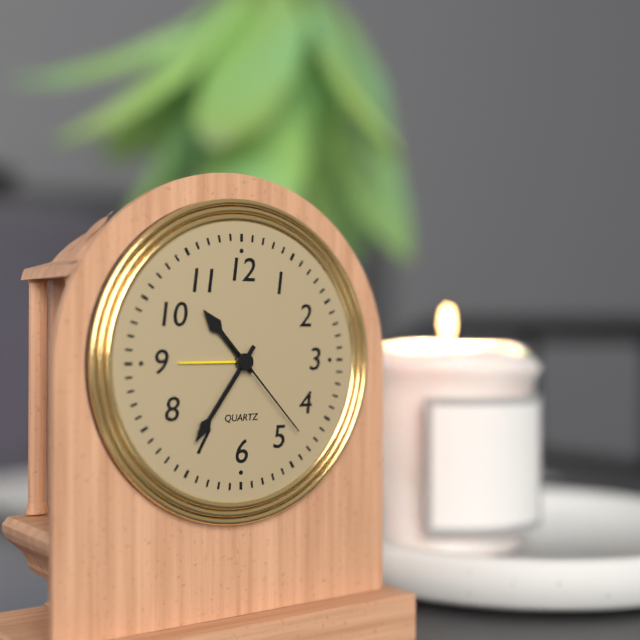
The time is h=10 m=36 s=23
